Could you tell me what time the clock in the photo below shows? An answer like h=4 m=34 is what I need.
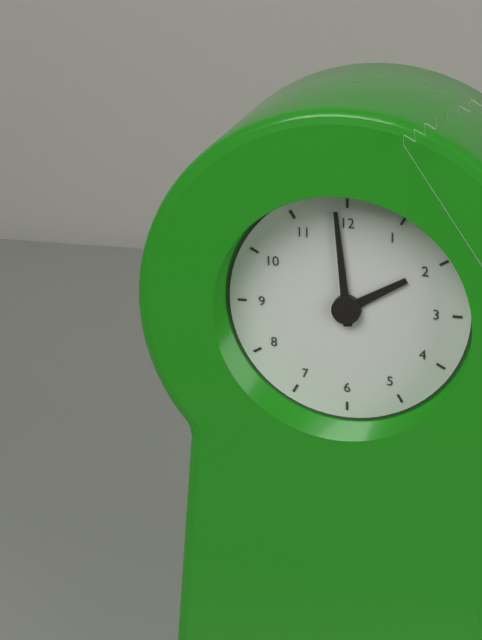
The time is h=1 m=59
